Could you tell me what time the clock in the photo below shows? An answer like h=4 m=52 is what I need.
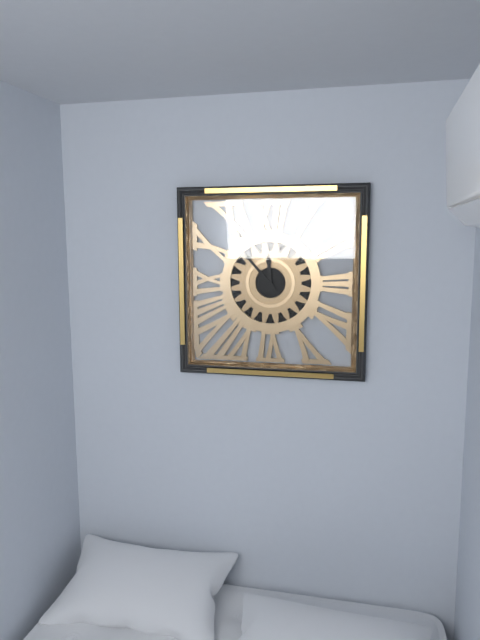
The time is h=11 m=53
